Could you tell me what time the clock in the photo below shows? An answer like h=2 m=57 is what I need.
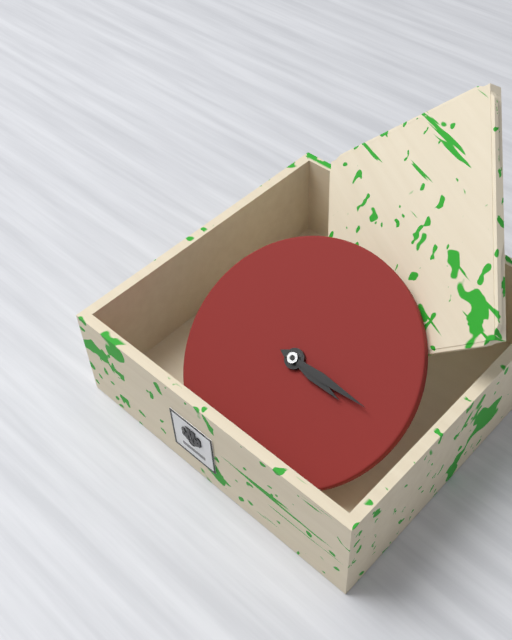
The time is h=3 m=15
